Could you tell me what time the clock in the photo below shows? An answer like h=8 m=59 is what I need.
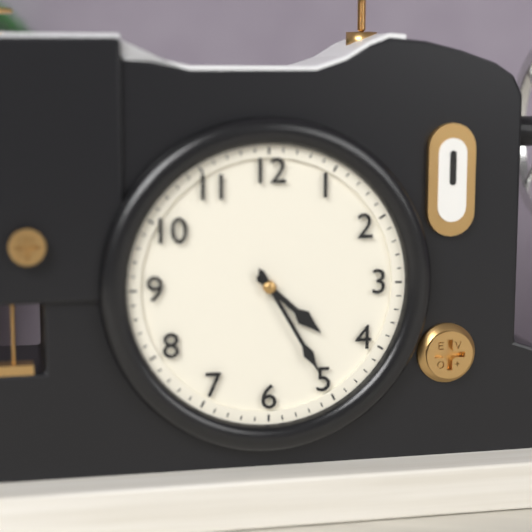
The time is h=4 m=25
